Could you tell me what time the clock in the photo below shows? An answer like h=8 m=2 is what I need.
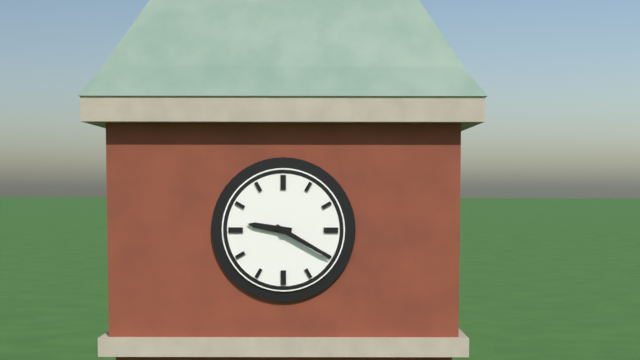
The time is h=9 m=20
